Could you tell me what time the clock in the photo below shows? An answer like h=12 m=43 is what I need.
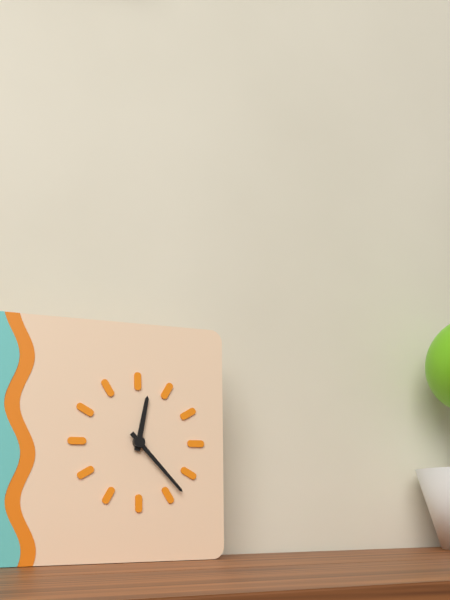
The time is h=12 m=23
